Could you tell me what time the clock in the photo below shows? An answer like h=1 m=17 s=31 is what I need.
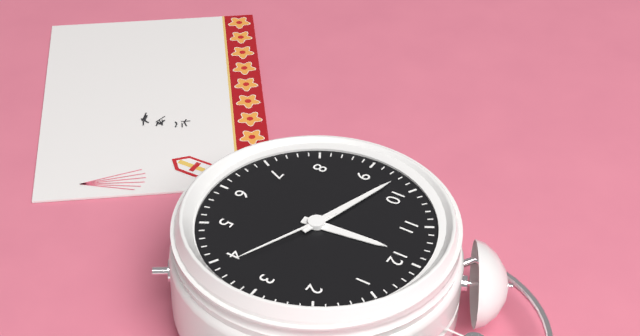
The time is h=11 m=48 s=19
